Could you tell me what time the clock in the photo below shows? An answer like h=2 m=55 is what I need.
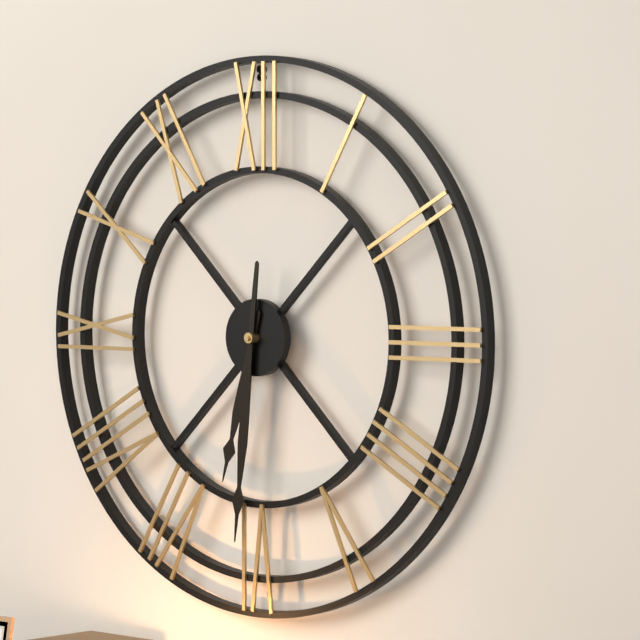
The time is h=6 m=31
